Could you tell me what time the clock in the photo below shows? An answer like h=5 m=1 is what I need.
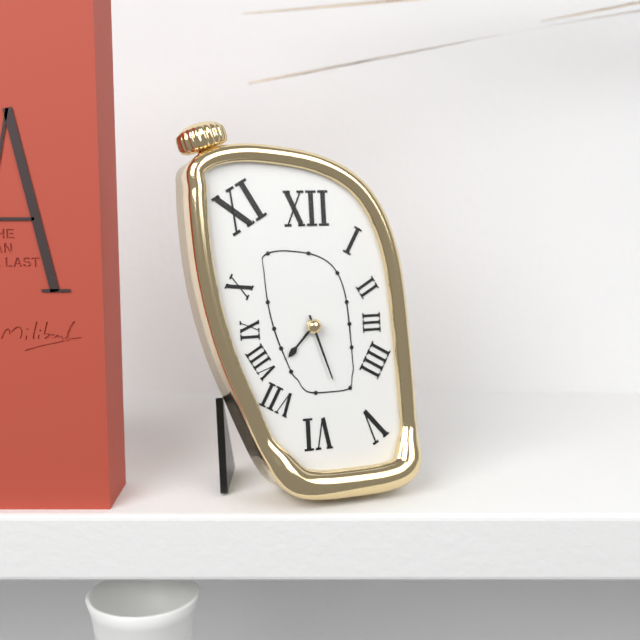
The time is h=7 m=27
